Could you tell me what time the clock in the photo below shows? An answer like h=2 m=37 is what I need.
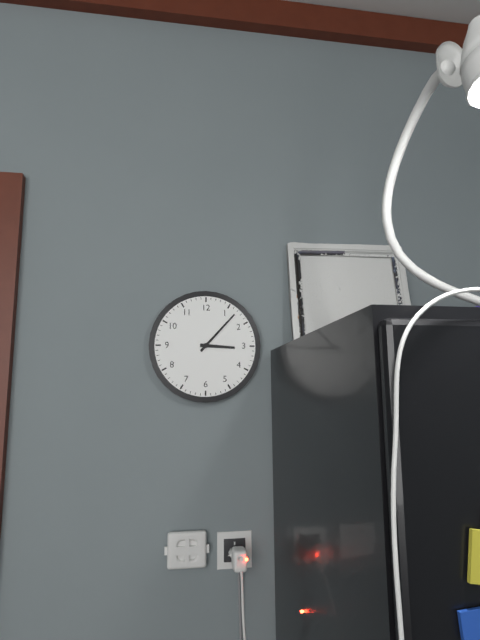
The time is h=3 m=7
